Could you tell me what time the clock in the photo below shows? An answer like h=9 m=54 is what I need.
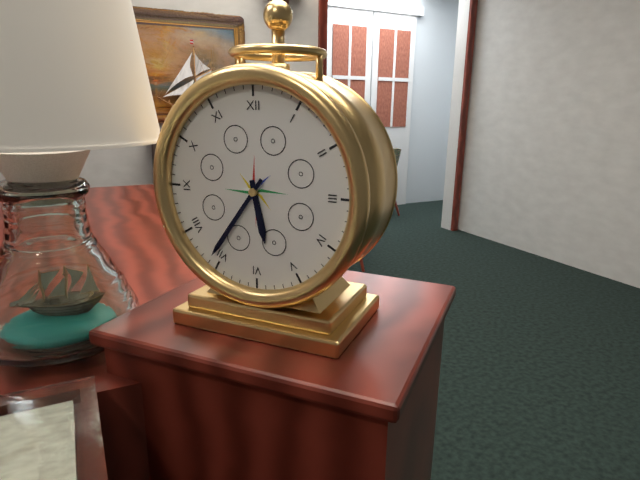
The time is h=5 m=36
